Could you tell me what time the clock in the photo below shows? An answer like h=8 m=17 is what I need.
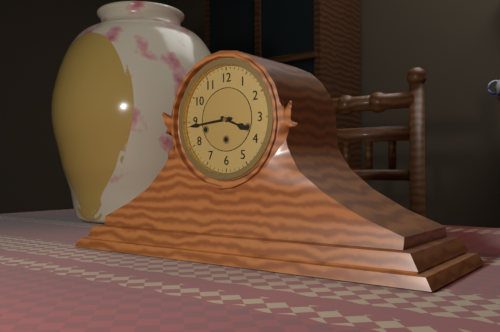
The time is h=3 m=44
